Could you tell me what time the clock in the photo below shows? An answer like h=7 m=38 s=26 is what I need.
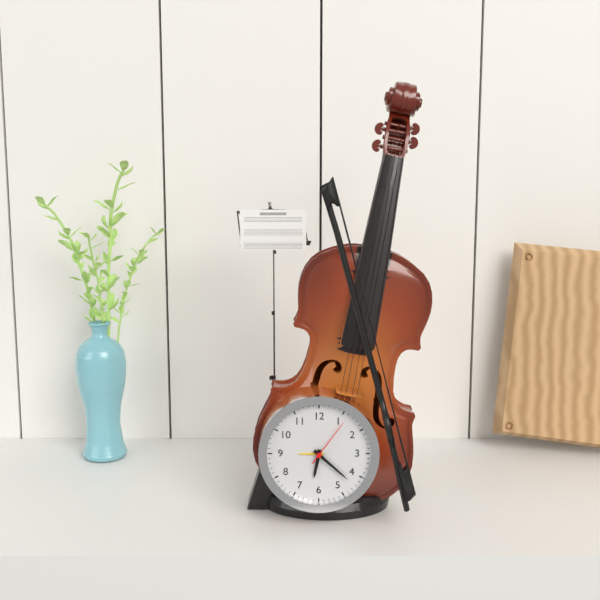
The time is h=6 m=22 s=6
